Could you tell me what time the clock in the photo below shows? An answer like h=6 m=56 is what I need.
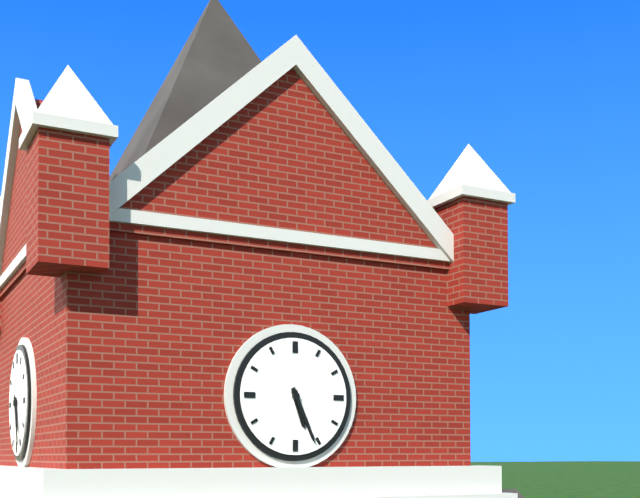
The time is h=5 m=26
